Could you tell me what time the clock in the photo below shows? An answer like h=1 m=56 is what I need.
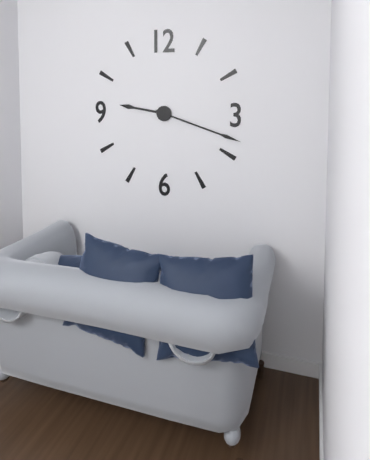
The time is h=9 m=18
